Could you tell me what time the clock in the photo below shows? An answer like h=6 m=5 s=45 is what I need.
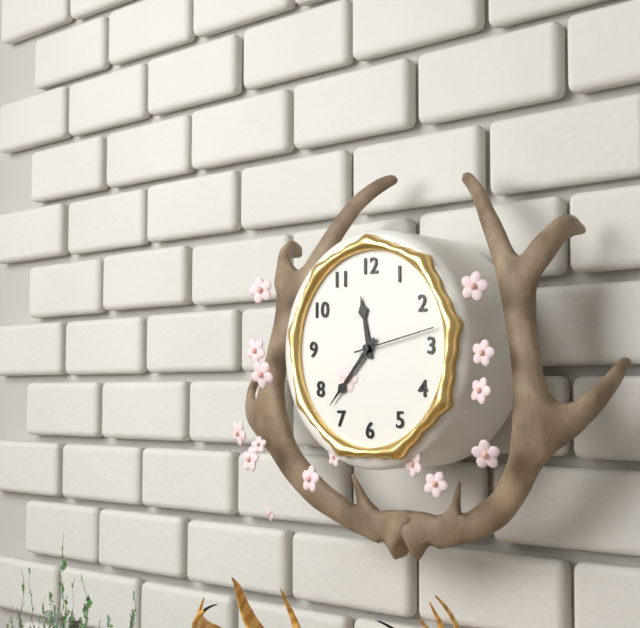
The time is h=11 m=37 s=13
